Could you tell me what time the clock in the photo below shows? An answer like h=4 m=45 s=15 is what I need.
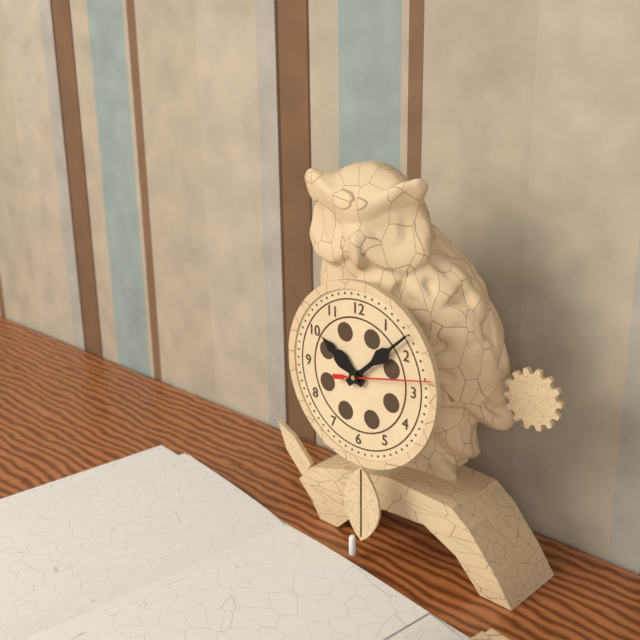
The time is h=10 m=8 s=13
